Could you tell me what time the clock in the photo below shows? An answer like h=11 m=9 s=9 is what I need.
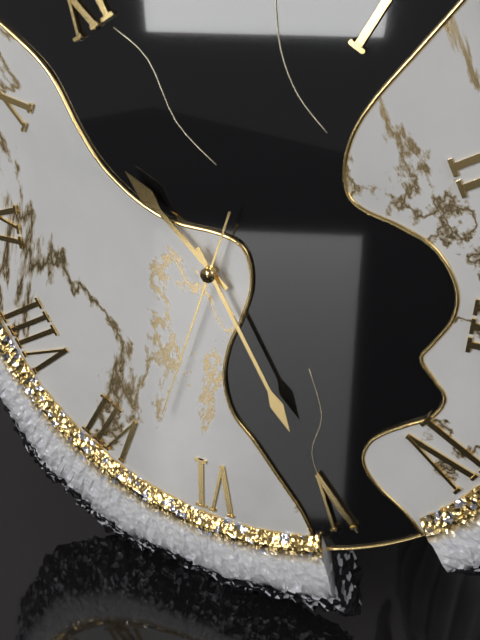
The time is h=10 m=25 s=33
